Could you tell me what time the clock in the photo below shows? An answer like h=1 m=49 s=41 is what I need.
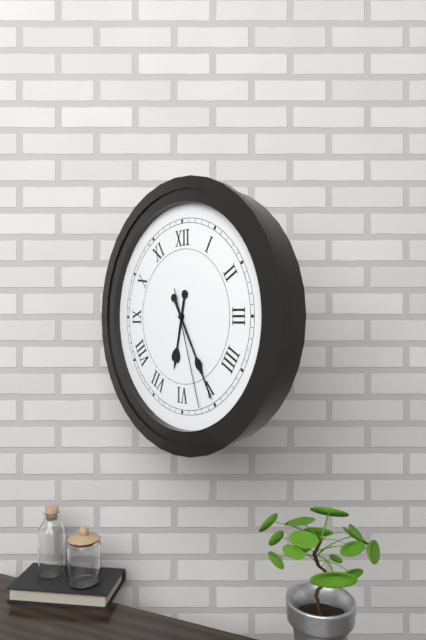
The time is h=6 m=25 s=27
